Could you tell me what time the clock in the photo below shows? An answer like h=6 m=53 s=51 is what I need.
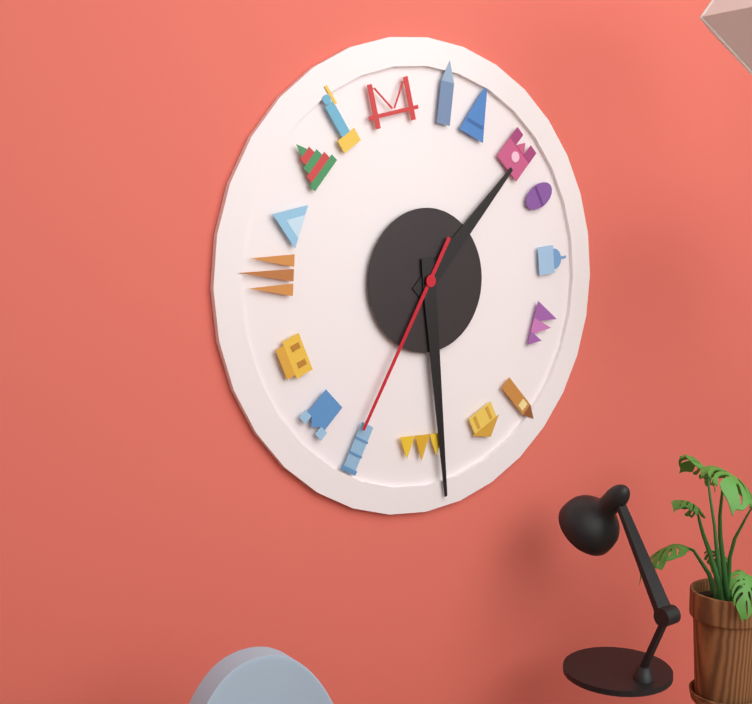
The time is h=1 m=29 s=35
